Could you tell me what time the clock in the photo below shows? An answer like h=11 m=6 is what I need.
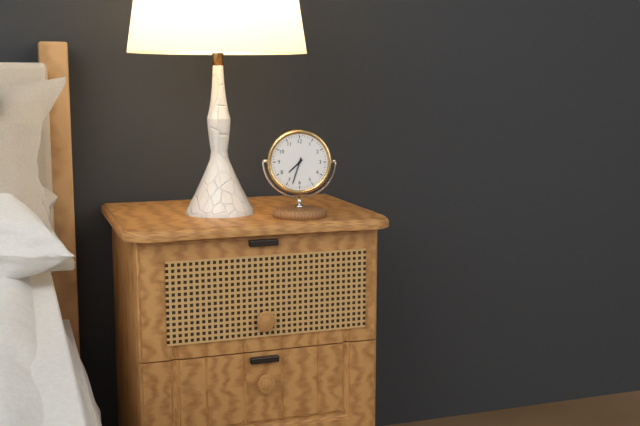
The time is h=7 m=33
